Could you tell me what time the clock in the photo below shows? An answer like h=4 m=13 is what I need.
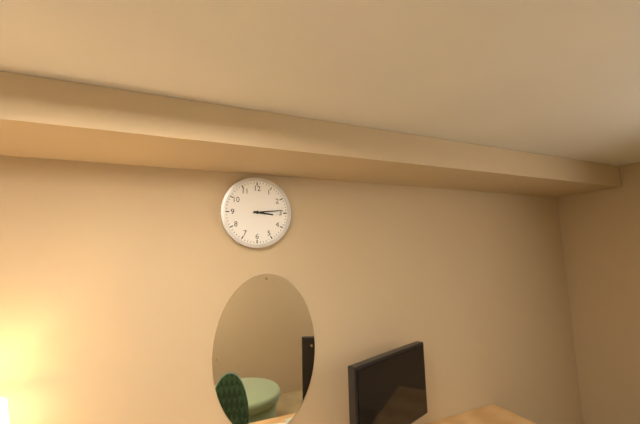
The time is h=3 m=14
